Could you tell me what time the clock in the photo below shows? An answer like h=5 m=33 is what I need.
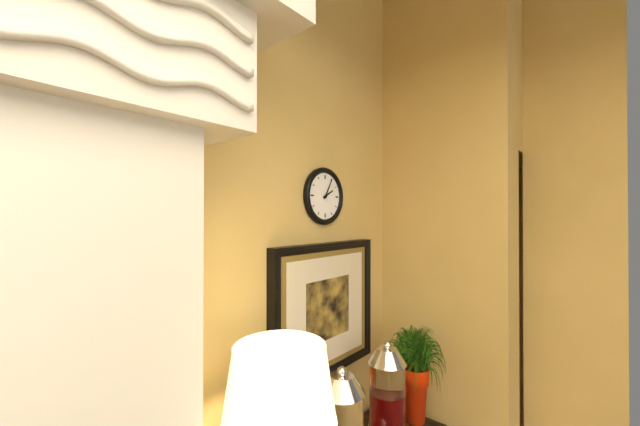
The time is h=2 m=5
